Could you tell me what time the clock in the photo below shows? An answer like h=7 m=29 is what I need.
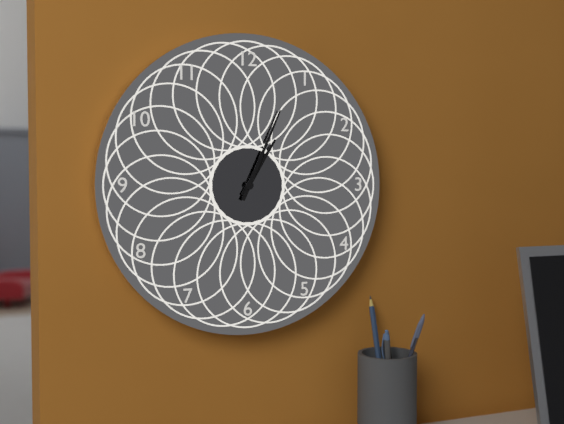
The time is h=1 m=4
